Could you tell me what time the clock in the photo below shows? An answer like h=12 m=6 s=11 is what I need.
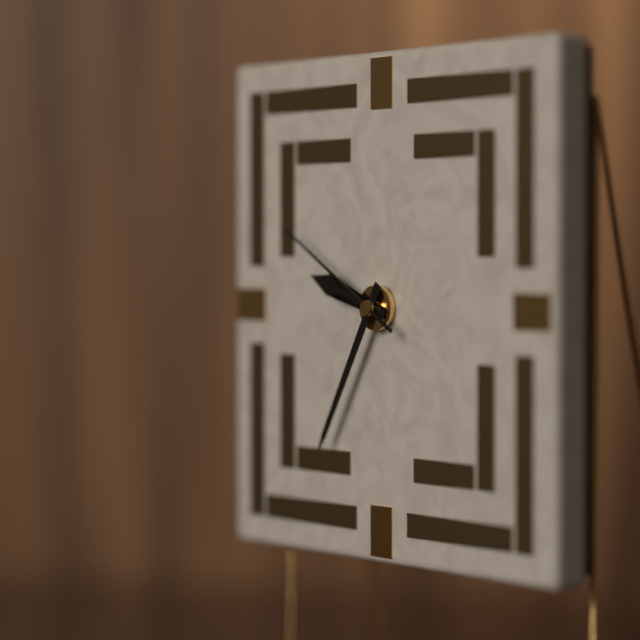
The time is h=9 m=35 s=50
